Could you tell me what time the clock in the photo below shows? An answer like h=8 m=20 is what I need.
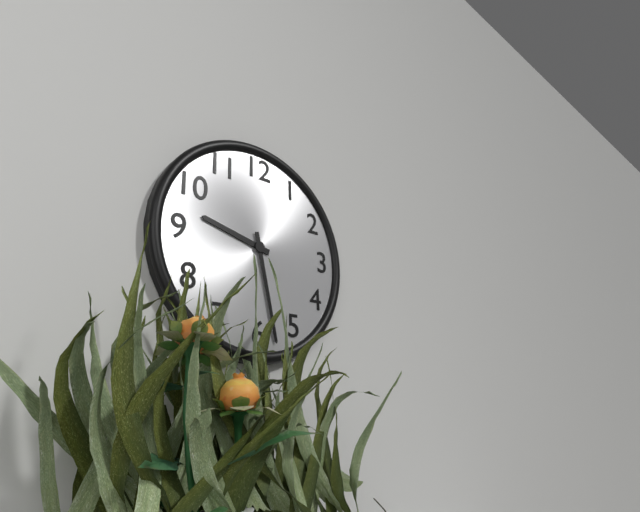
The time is h=9 m=28
